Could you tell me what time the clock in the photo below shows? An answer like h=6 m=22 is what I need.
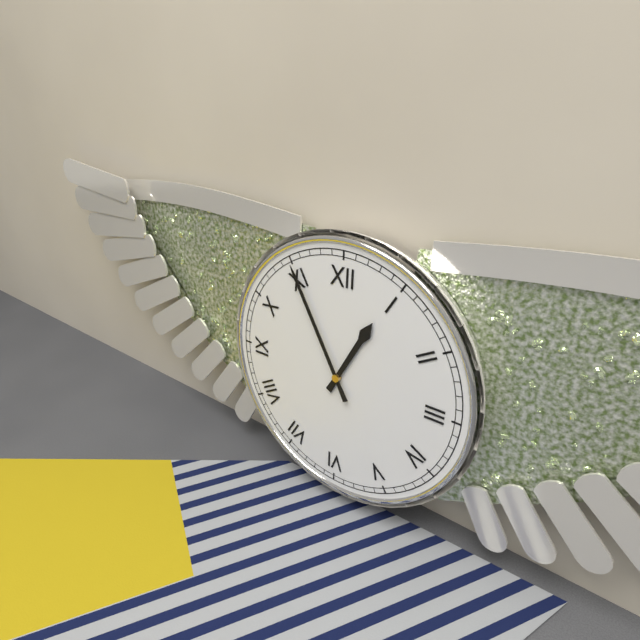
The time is h=12 m=55
